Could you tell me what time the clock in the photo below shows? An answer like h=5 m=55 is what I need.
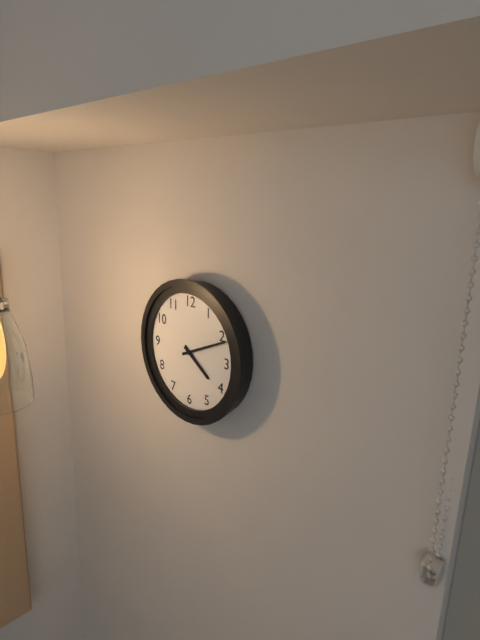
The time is h=4 m=11
